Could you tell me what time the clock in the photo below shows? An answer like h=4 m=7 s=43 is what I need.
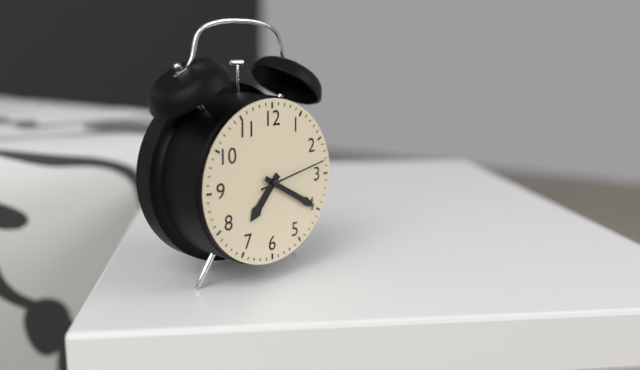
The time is h=7 m=20 s=13
